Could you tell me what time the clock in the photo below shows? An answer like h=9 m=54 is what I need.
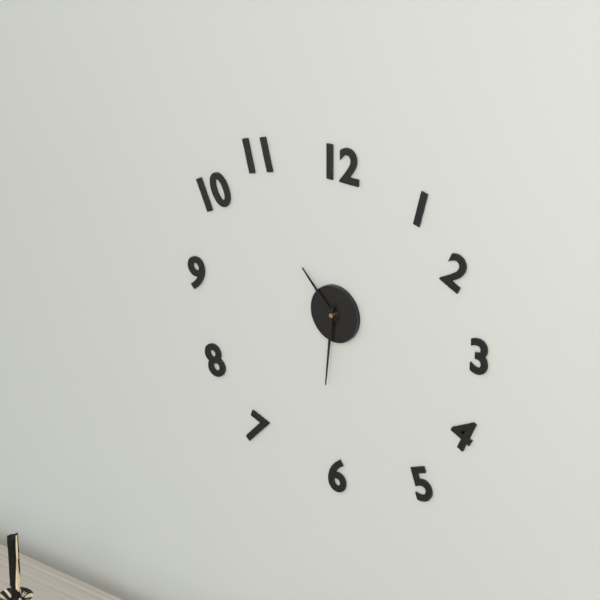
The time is h=10 m=31
